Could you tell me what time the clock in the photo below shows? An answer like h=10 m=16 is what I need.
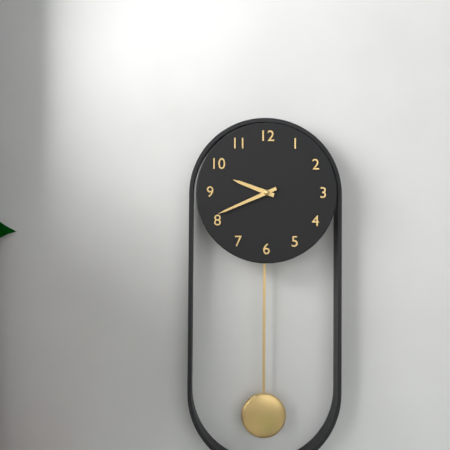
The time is h=9 m=41
